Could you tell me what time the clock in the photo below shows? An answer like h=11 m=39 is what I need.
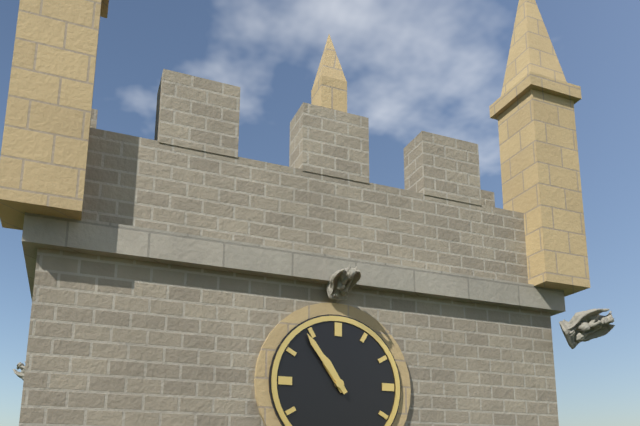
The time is h=10 m=54
